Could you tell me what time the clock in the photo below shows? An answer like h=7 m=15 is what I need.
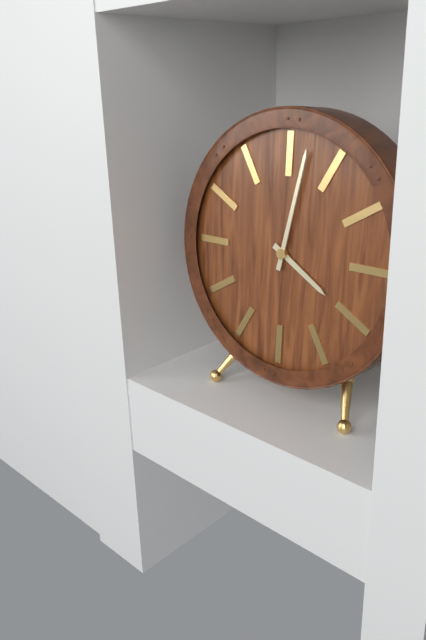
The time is h=4 m=2
